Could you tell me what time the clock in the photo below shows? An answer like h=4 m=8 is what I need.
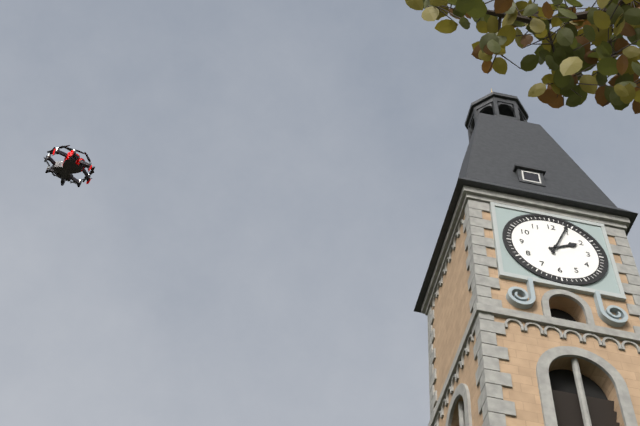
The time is h=2 m=4
